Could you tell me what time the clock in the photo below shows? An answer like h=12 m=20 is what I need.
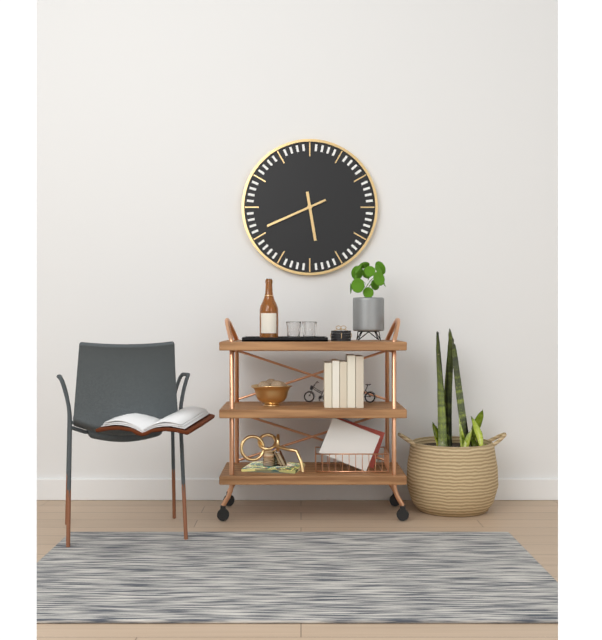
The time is h=5 m=41
